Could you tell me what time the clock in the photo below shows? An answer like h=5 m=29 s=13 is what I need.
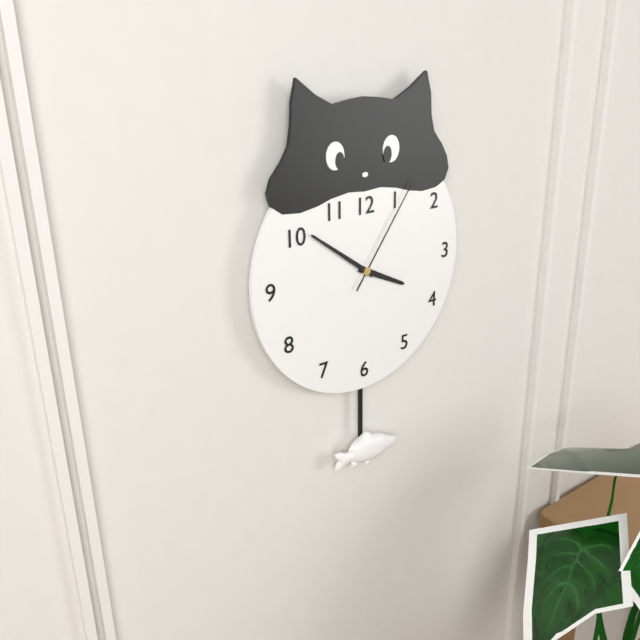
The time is h=3 m=51 s=6
